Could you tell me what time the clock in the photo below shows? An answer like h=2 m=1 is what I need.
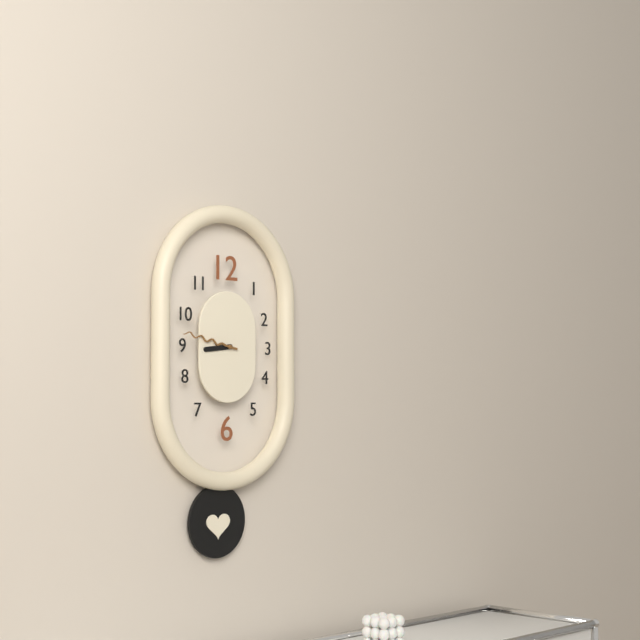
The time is h=8 m=47
